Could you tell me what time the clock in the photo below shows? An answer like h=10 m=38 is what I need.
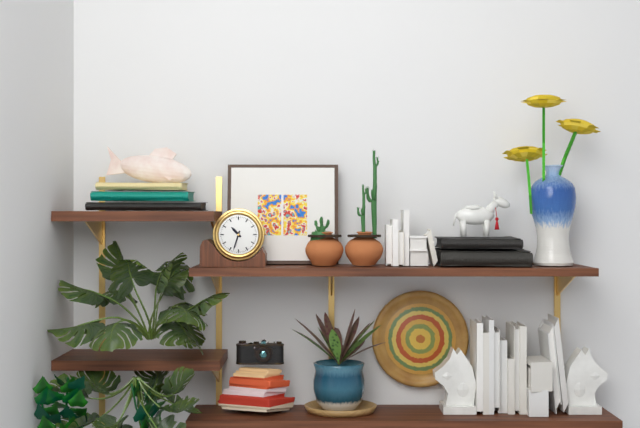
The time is h=10 m=33
